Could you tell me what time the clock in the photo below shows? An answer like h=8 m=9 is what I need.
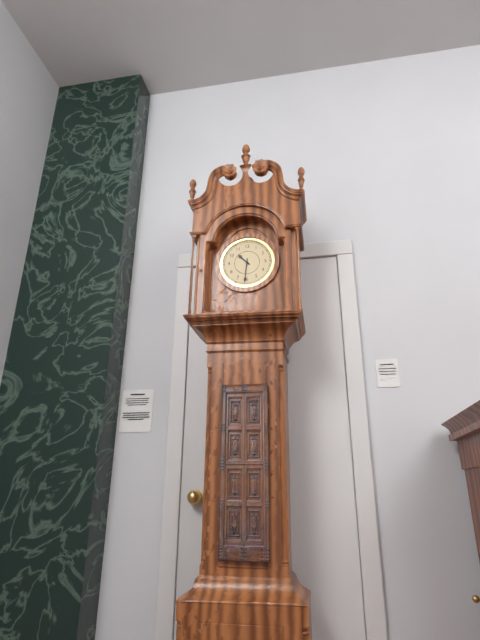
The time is h=10 m=31
